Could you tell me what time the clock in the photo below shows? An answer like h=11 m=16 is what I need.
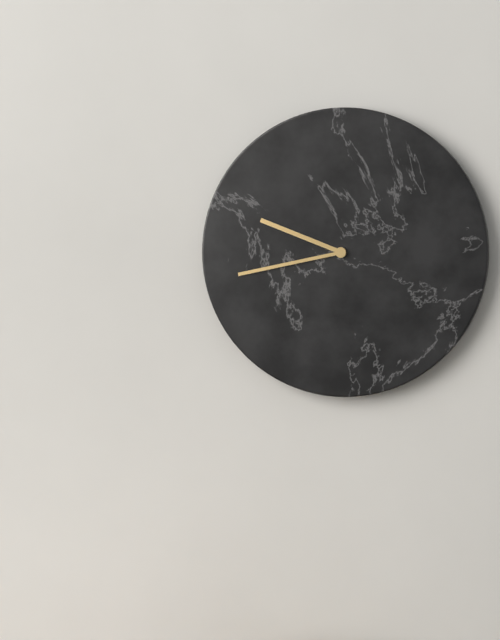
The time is h=9 m=43
